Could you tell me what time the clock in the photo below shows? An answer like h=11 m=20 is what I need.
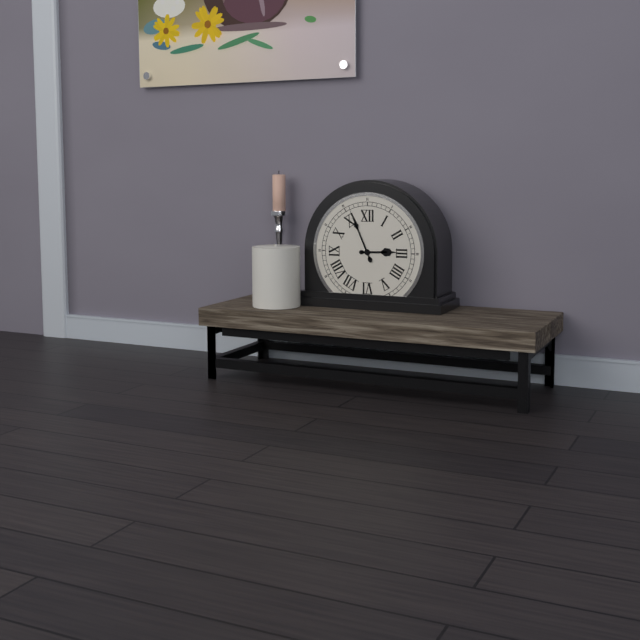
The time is h=2 m=56
